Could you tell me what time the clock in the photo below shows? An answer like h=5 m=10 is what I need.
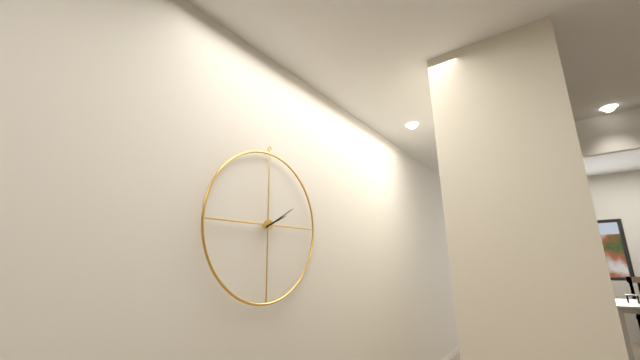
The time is h=2 m=10
